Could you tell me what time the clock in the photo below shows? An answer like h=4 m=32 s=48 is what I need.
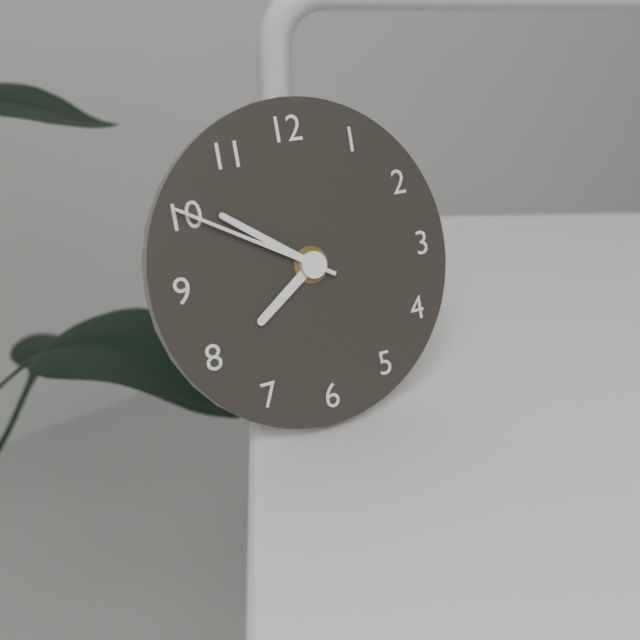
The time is h=7 m=51 s=50
